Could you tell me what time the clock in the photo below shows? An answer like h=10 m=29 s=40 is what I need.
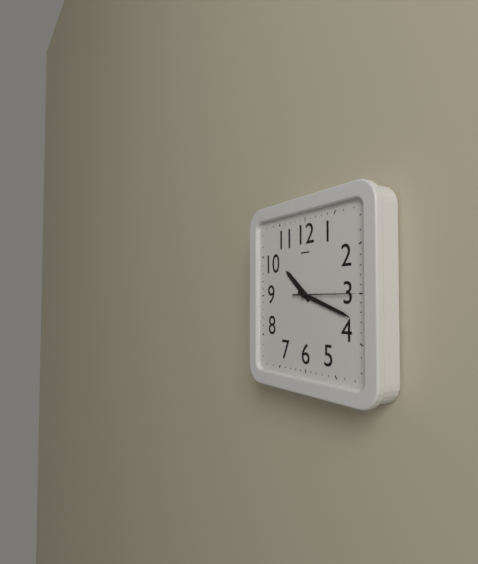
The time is h=10 m=18 s=15
